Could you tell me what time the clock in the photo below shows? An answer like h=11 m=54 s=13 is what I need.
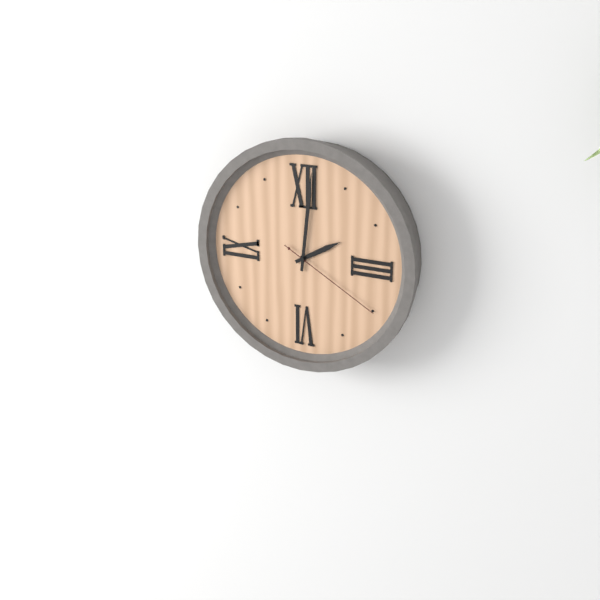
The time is h=2 m=1 s=20
